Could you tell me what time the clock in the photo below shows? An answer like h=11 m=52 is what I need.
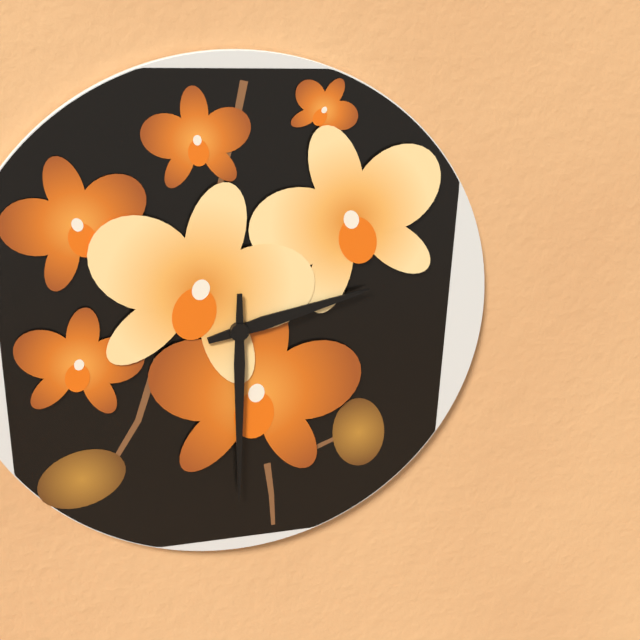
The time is h=2 m=30
